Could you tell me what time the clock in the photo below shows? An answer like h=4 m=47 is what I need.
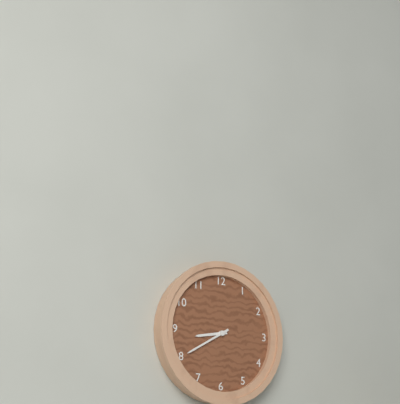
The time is h=8 m=40
